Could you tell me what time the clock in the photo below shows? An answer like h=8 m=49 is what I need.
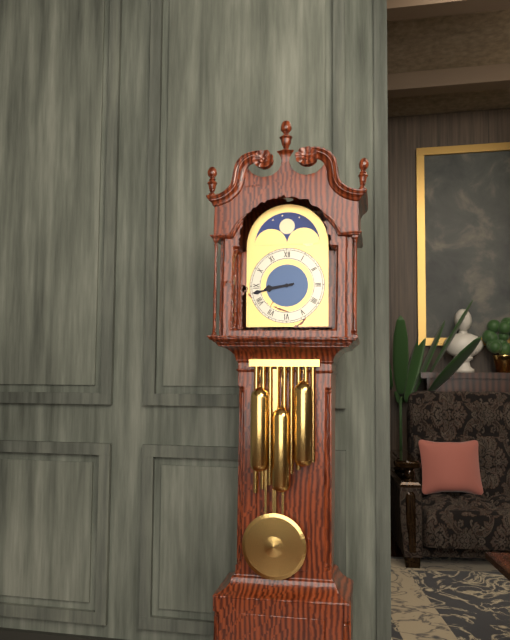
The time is h=8 m=43
